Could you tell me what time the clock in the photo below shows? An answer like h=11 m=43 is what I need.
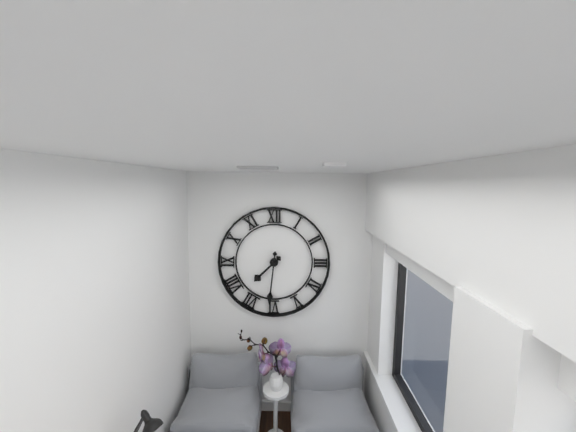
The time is h=7 m=31
